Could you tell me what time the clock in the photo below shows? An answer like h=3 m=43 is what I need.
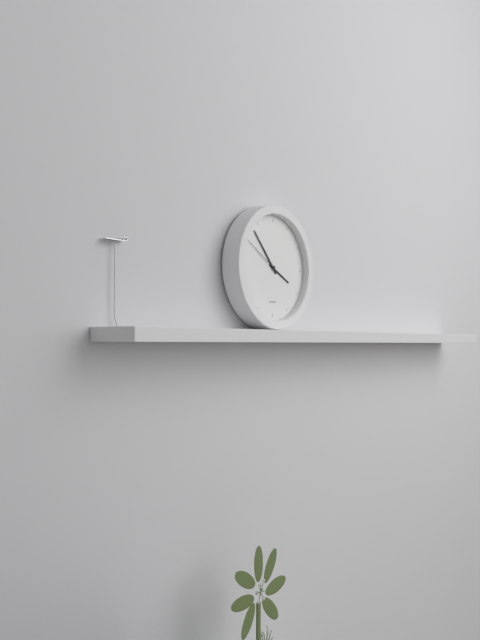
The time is h=3 m=53
